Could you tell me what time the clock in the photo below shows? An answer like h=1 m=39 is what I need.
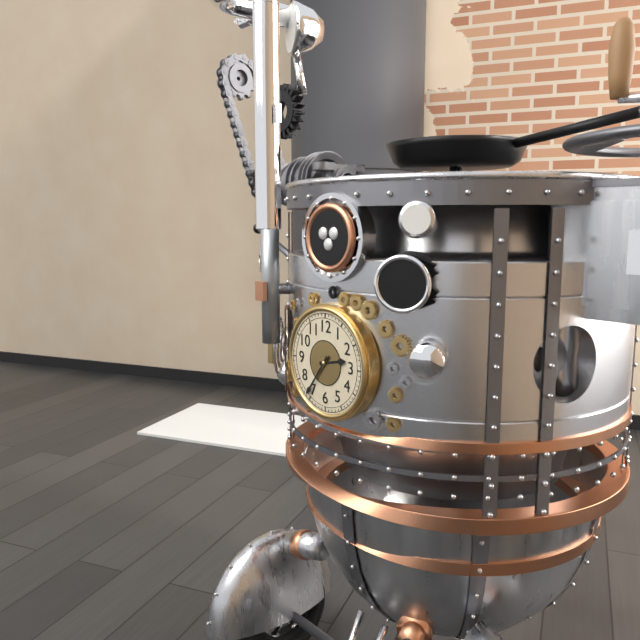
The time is h=2 m=36
